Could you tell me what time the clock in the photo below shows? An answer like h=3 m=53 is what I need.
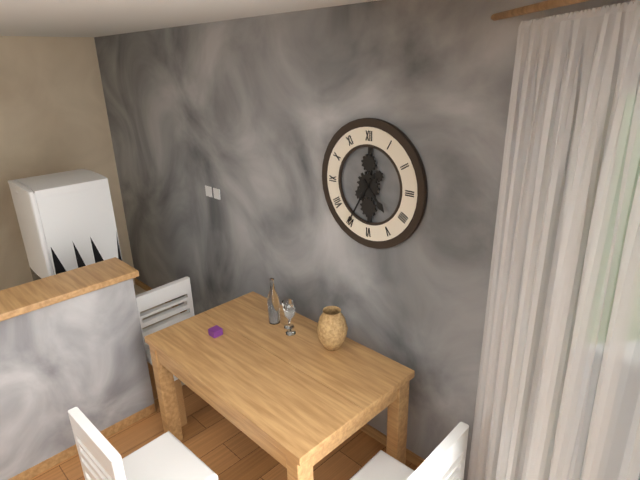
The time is h=4 m=35
